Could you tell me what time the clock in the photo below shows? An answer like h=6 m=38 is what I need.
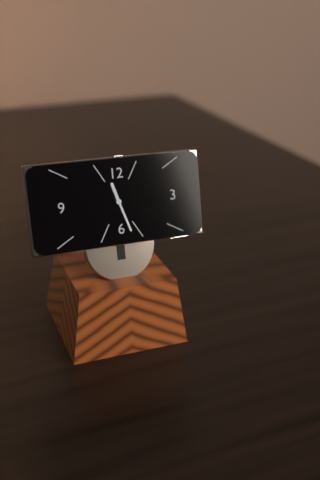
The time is h=11 m=27
